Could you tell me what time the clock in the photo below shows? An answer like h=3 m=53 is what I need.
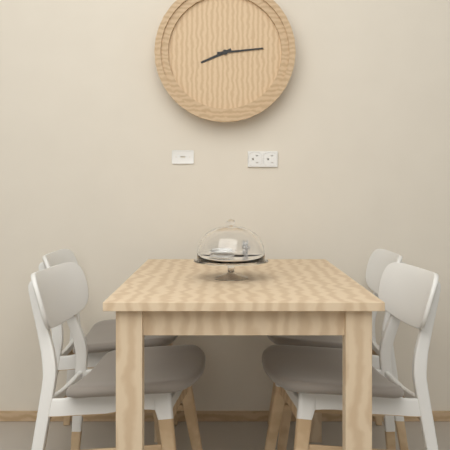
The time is h=8 m=14
